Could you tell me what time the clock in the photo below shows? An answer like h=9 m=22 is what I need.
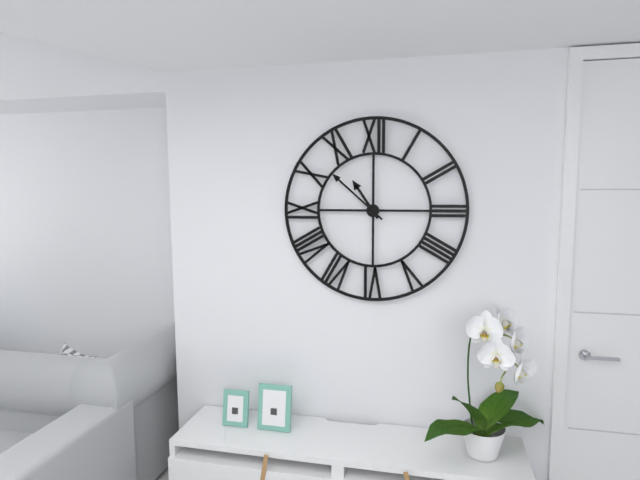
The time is h=10 m=52
